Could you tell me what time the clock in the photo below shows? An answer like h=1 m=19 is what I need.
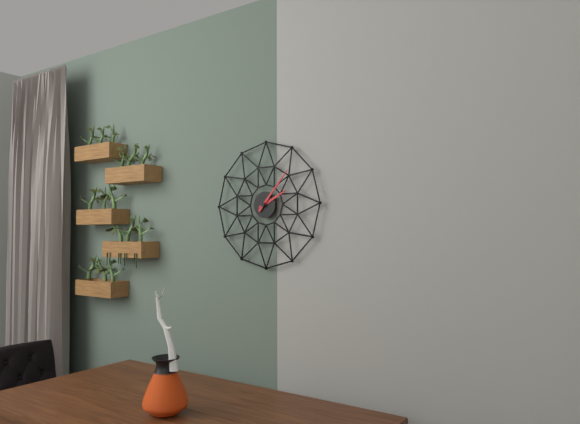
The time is h=2 m=7
